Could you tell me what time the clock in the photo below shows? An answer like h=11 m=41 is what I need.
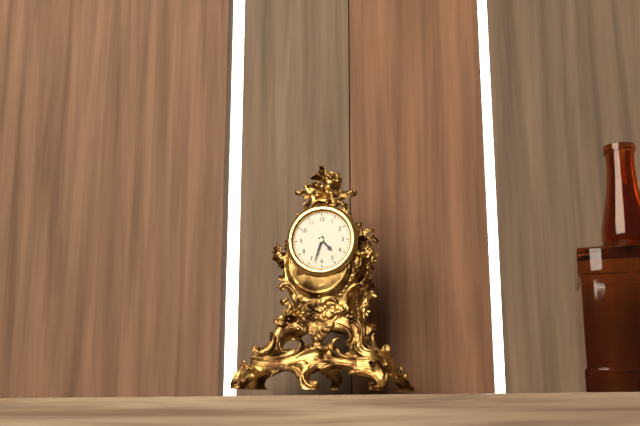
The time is h=4 m=33
